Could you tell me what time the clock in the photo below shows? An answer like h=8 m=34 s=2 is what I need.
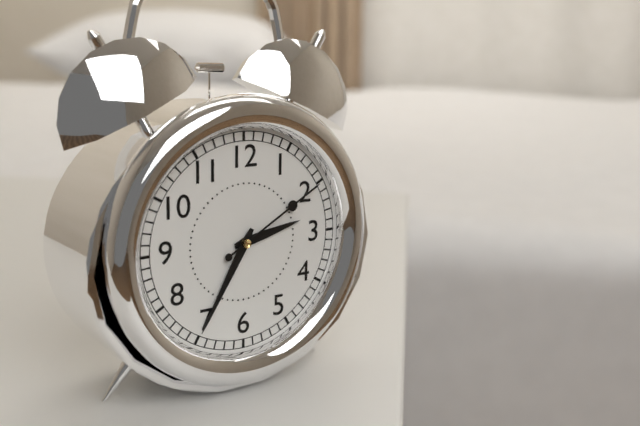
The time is h=2 m=35 s=10
